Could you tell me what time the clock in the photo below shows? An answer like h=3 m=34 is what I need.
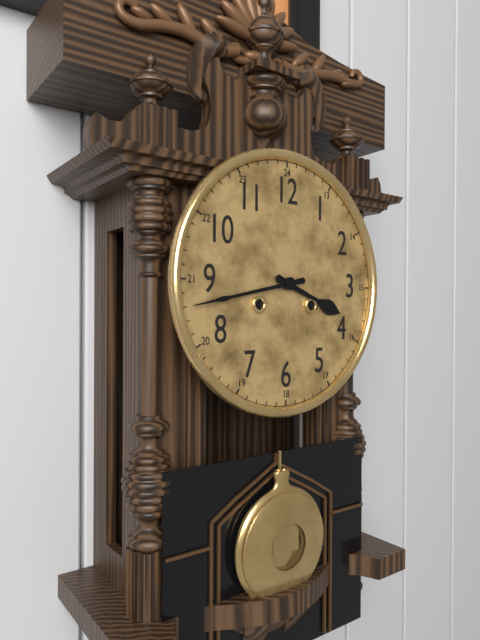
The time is h=3 m=43
